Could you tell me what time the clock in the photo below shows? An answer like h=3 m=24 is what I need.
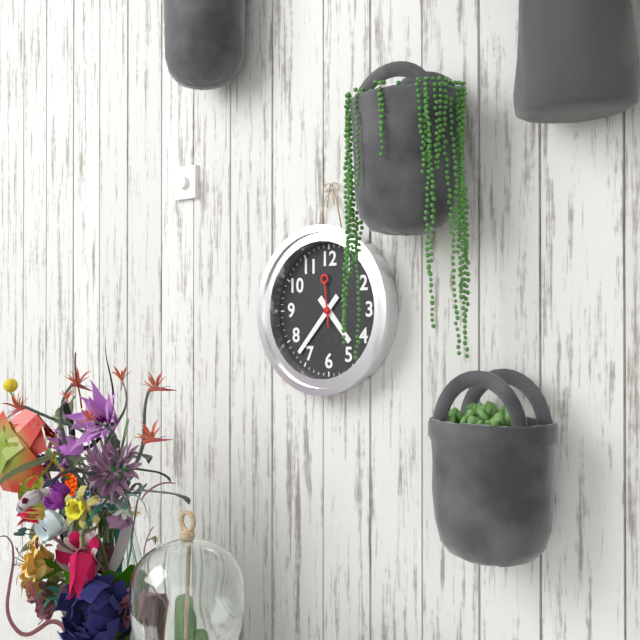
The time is h=4 m=37
